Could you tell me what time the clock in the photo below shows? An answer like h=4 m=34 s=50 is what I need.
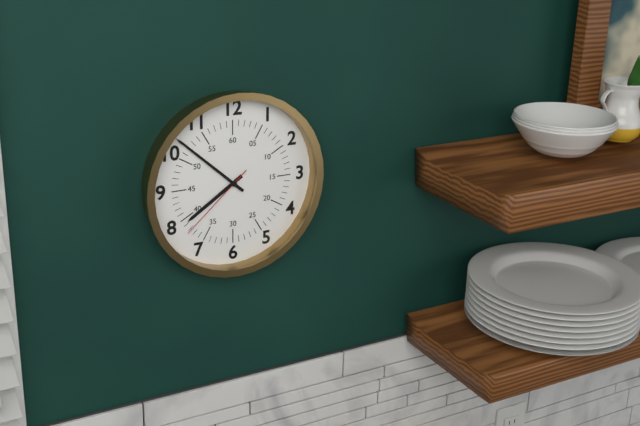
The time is h=7 m=52 s=38
